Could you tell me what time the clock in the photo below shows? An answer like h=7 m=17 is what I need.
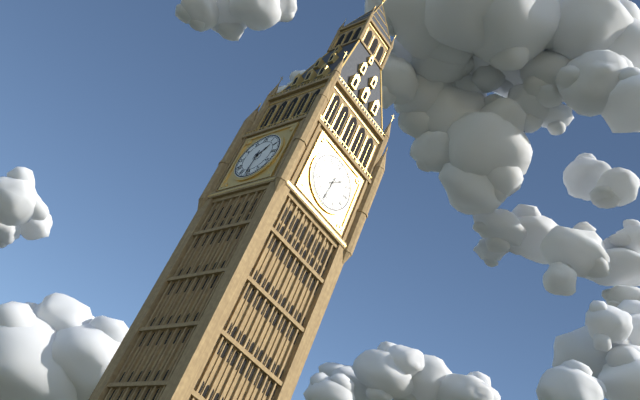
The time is h=1 m=31
